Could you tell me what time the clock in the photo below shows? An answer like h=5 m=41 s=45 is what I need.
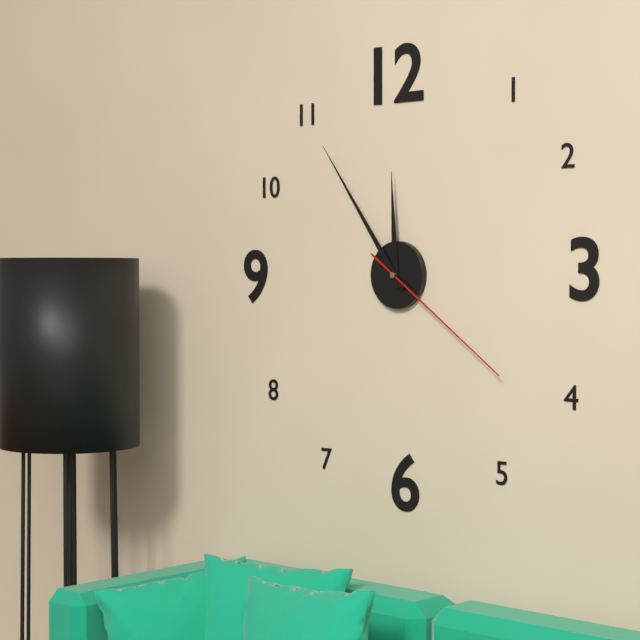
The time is h=11 m=54 s=21
